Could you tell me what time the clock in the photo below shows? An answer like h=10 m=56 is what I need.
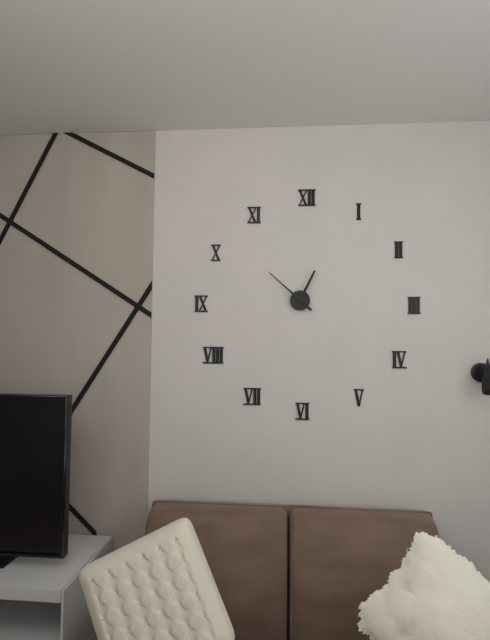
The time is h=12 m=52
